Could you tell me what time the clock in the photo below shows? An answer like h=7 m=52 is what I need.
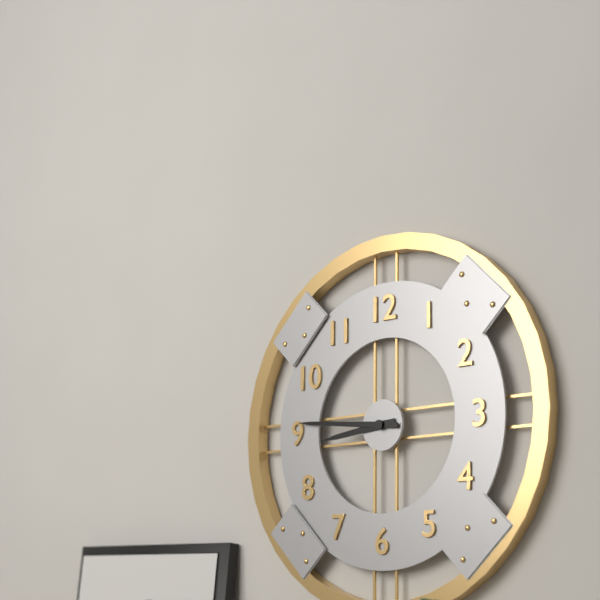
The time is h=8 m=46
